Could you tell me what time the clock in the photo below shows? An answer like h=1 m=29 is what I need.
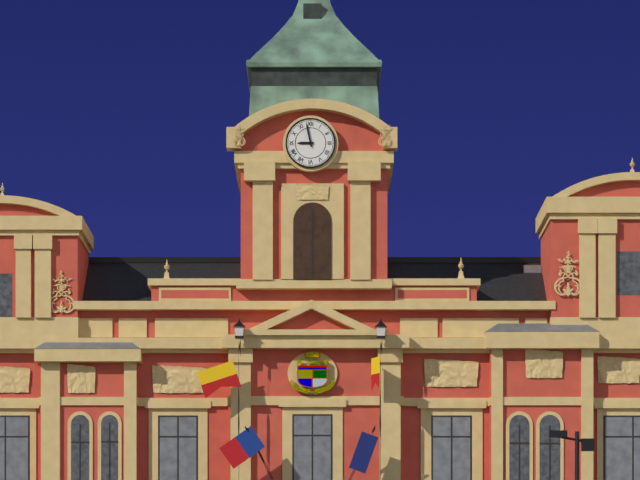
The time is h=8 m=58
